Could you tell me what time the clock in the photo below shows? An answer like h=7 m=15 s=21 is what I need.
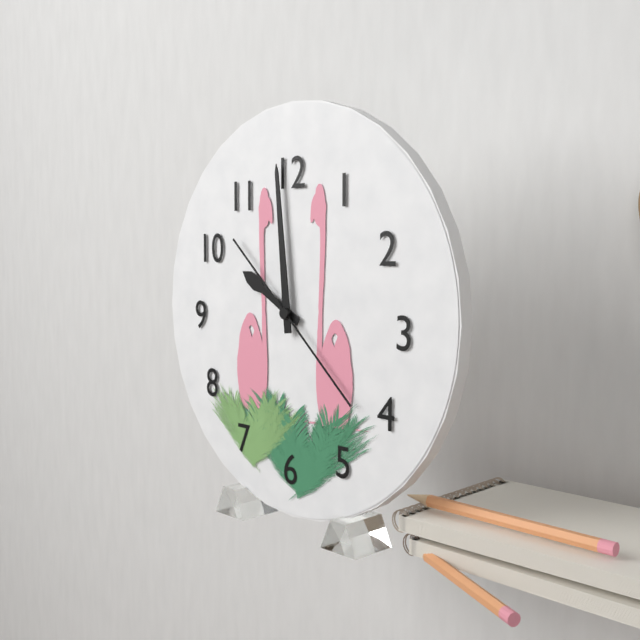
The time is h=9 m=59 s=22
